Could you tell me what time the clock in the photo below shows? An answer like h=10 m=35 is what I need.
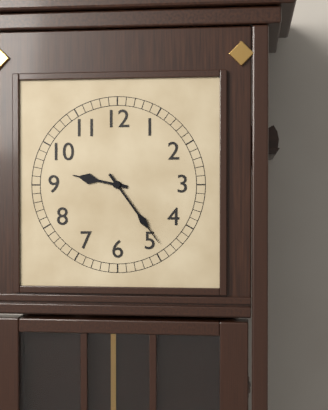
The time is h=9 m=24
